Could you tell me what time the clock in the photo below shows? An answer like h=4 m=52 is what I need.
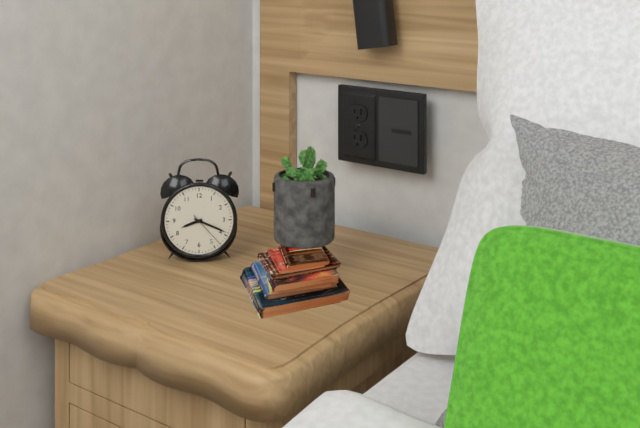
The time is h=8 m=19
